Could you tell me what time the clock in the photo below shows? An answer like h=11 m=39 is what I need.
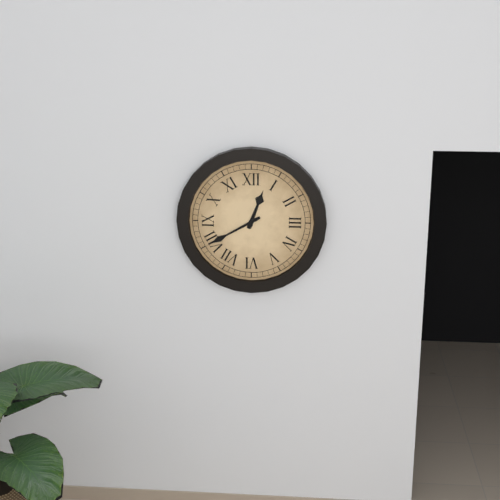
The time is h=12 m=40
